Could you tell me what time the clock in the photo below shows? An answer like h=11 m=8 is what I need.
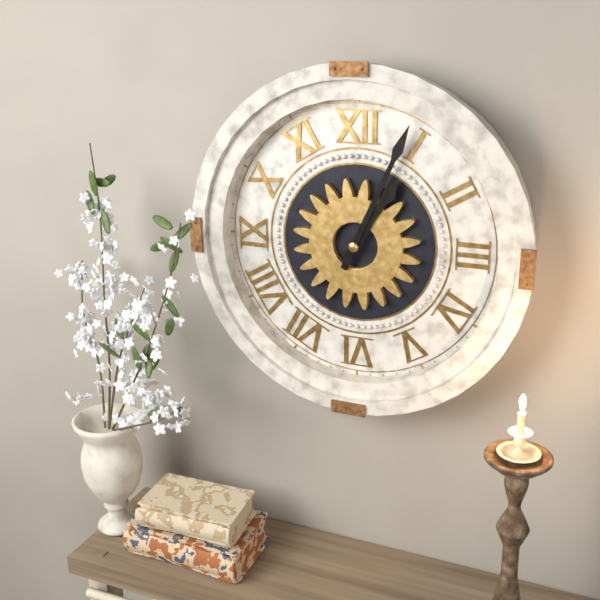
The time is h=1 m=4
